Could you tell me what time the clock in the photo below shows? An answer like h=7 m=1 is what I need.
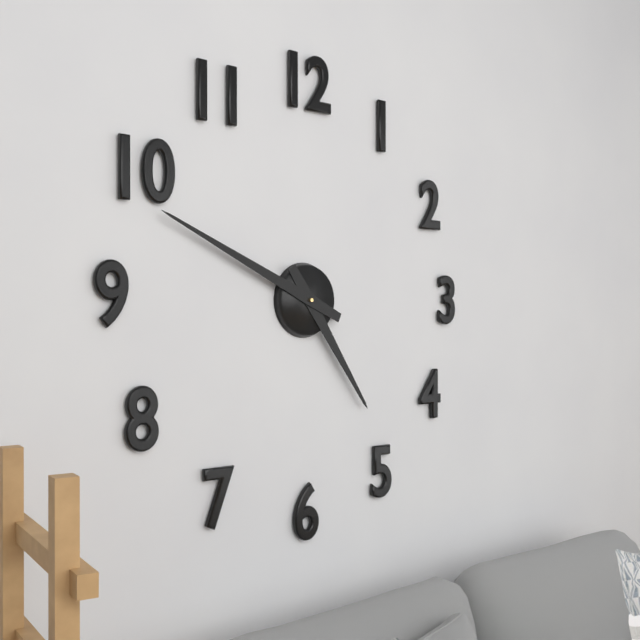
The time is h=4 m=49
